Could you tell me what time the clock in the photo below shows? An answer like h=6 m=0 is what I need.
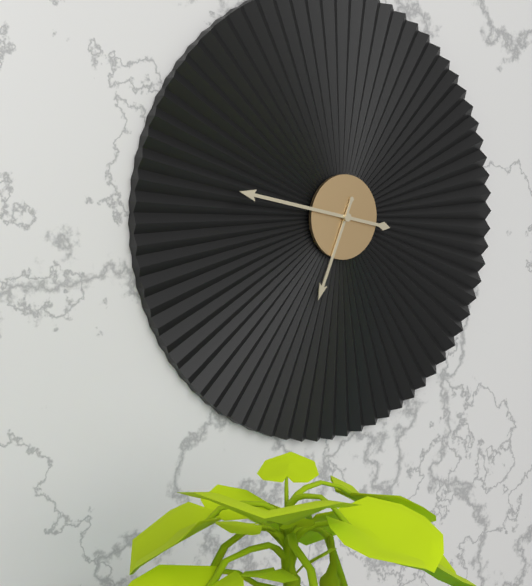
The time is h=6 m=47
